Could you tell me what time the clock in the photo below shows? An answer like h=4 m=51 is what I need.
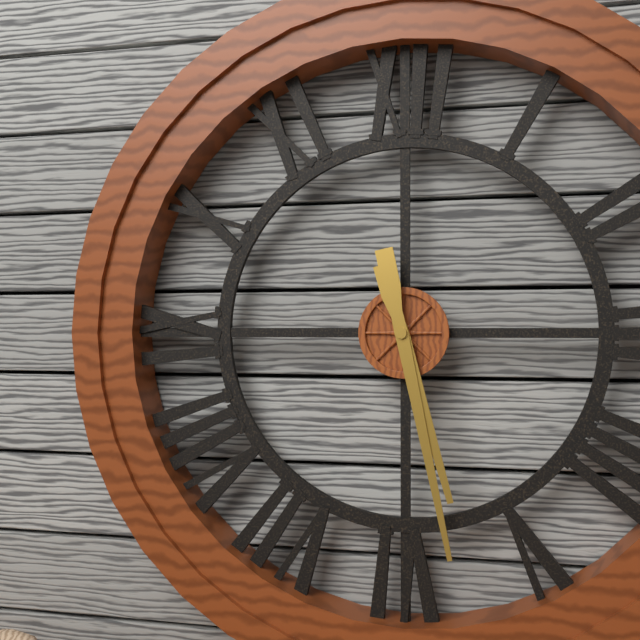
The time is h=5 m=28
